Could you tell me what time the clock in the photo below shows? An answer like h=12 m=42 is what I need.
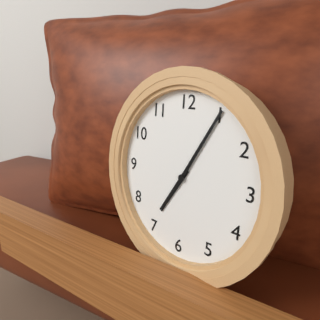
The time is h=7 m=5
